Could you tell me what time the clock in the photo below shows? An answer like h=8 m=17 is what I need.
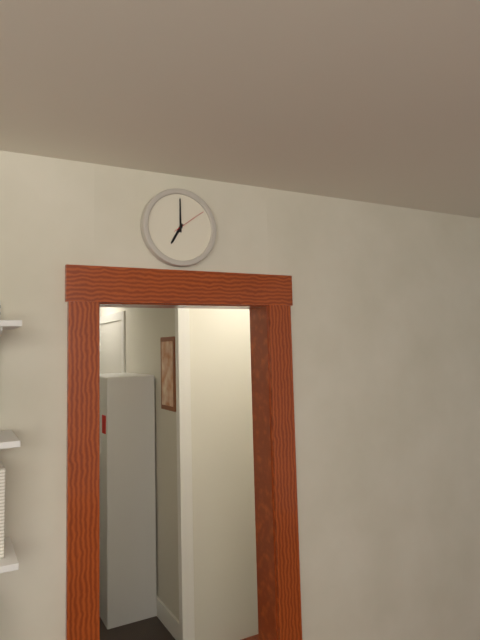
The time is h=7 m=0
